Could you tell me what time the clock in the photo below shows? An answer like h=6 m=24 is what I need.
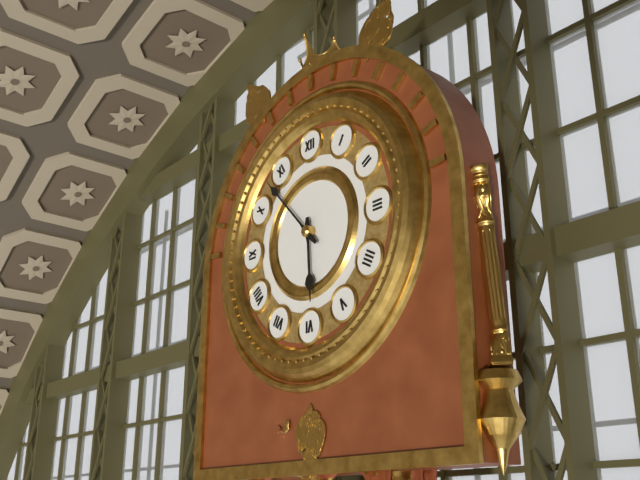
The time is h=5 m=53
